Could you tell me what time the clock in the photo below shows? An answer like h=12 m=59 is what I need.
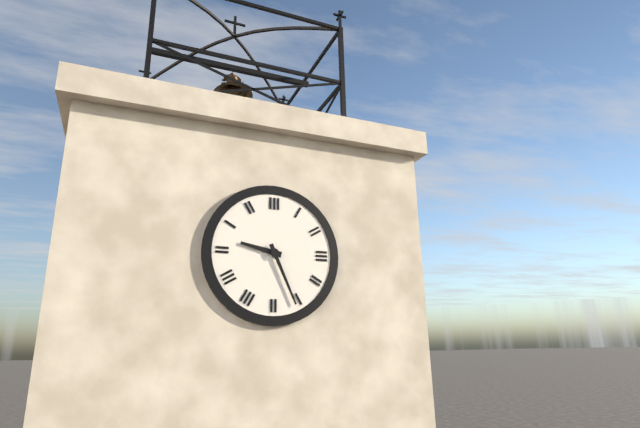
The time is h=9 m=26
